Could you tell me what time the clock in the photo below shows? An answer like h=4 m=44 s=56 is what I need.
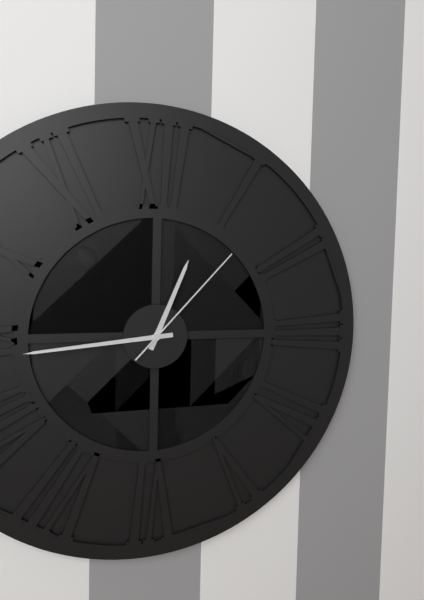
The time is h=12 m=44 s=7
